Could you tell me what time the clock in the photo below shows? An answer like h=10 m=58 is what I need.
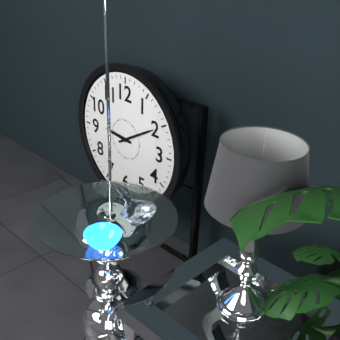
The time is h=9 m=10
